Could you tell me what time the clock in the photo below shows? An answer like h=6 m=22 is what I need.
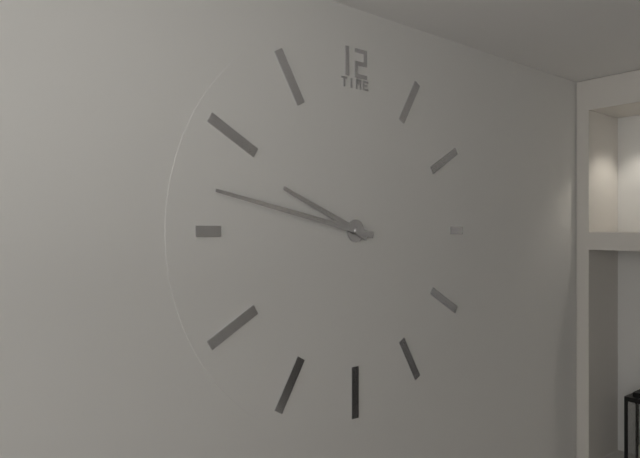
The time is h=9 m=47
